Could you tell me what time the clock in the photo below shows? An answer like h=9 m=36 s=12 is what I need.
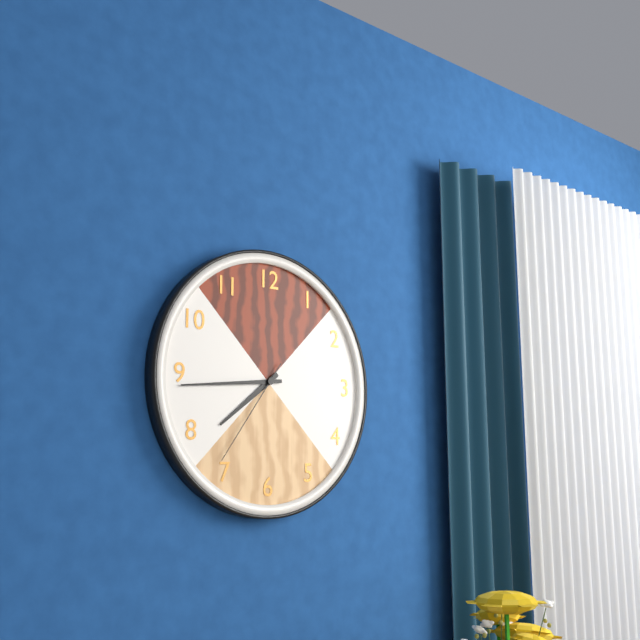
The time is h=7 m=44 s=36
